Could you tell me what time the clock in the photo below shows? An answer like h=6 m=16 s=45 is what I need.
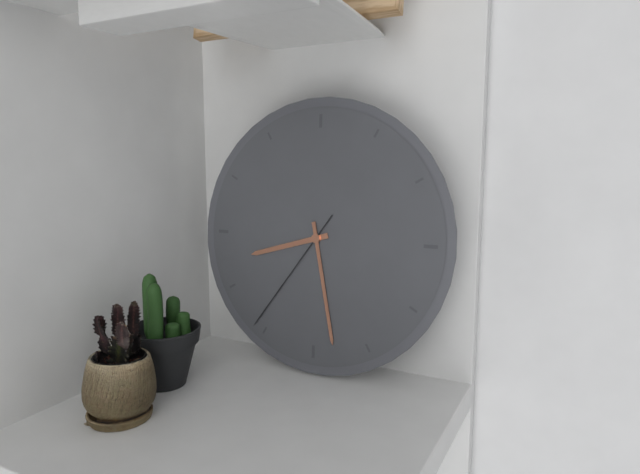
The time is h=8 m=28 s=36
